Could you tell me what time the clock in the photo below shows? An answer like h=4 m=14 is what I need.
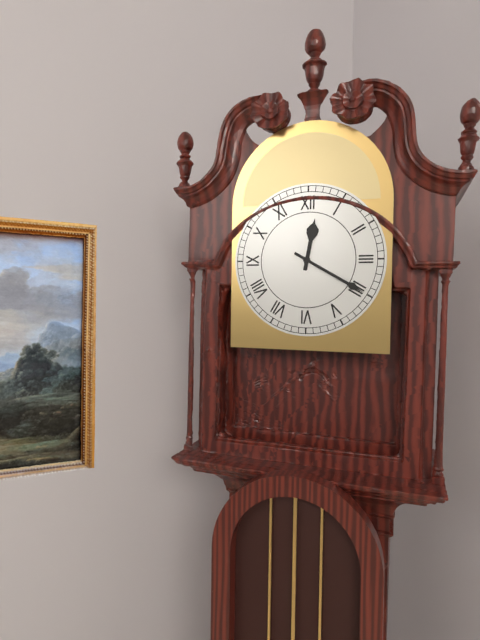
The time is h=12 m=20
